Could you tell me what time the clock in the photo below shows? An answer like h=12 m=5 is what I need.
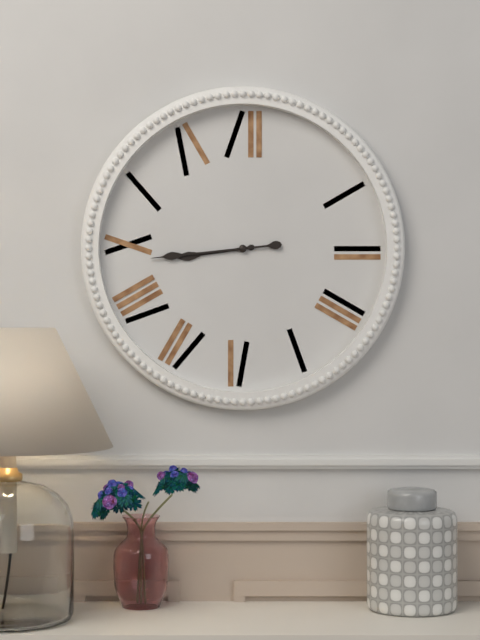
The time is h=8 m=44
